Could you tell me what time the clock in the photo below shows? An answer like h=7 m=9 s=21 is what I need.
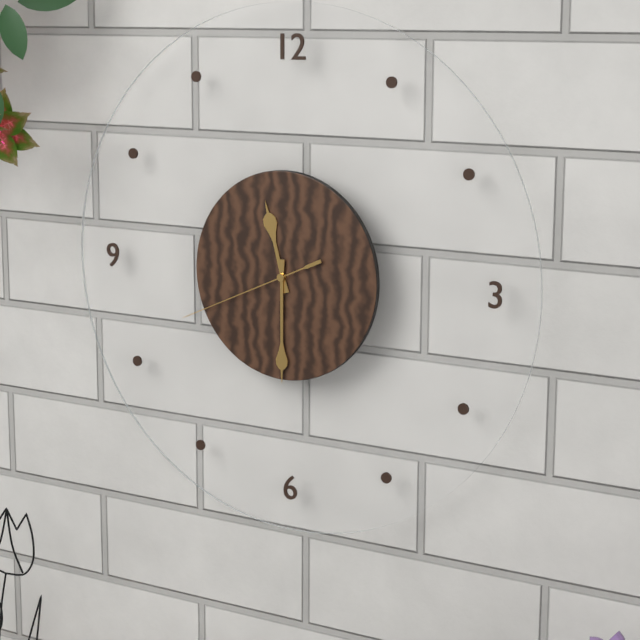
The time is h=11 m=30 s=41
